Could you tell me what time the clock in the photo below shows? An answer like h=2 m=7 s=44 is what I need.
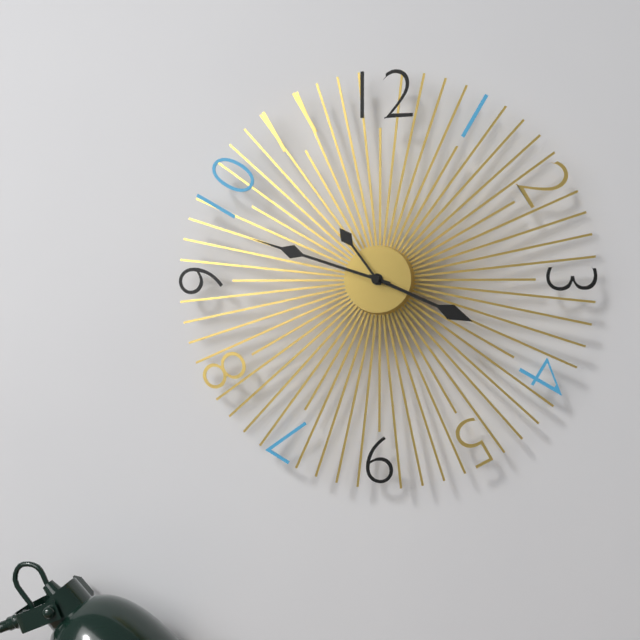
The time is h=3 m=48 s=54
